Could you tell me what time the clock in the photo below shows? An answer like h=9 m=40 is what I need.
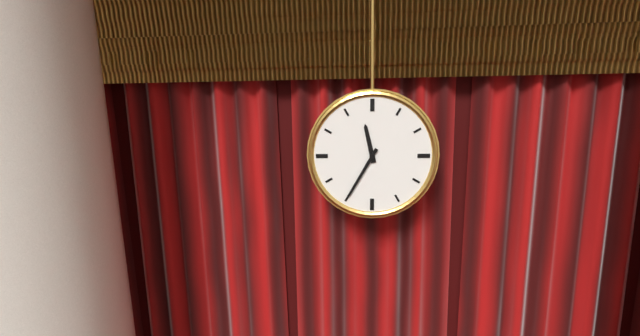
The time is h=11 m=35
